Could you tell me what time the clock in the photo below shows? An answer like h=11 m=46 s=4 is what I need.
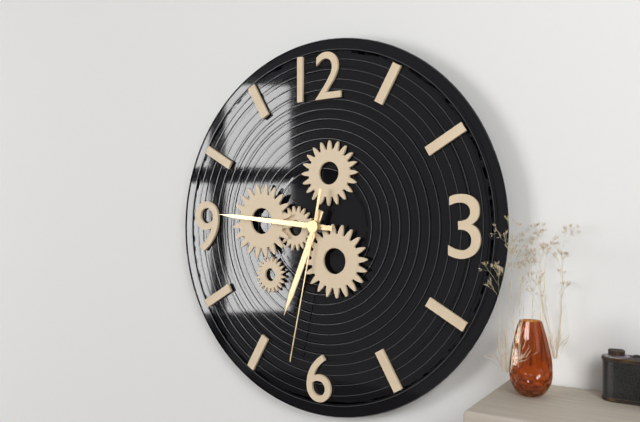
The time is h=6 m=46 s=32
